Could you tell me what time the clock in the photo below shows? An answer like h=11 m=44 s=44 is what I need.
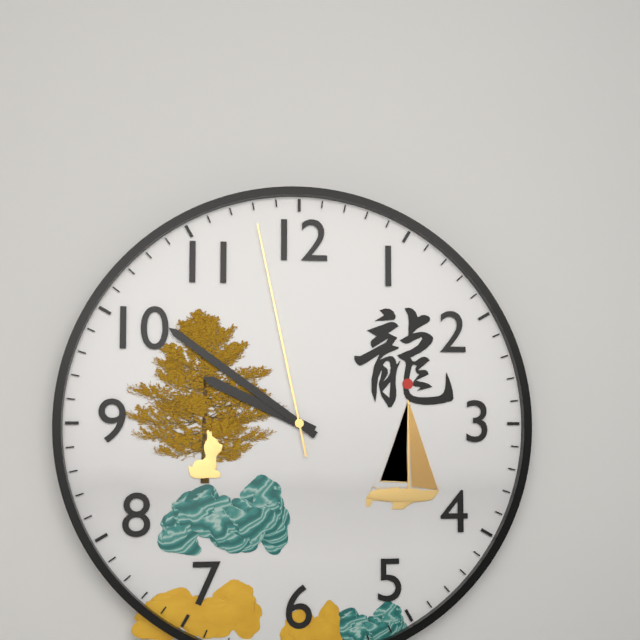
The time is h=9 m=51 s=58
